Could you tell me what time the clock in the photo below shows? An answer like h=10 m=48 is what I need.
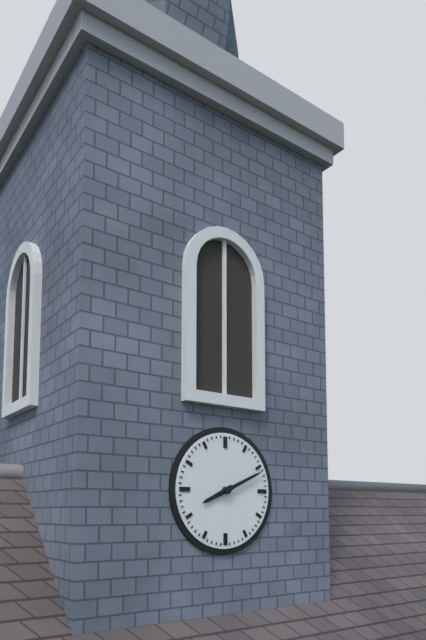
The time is h=8 m=11
